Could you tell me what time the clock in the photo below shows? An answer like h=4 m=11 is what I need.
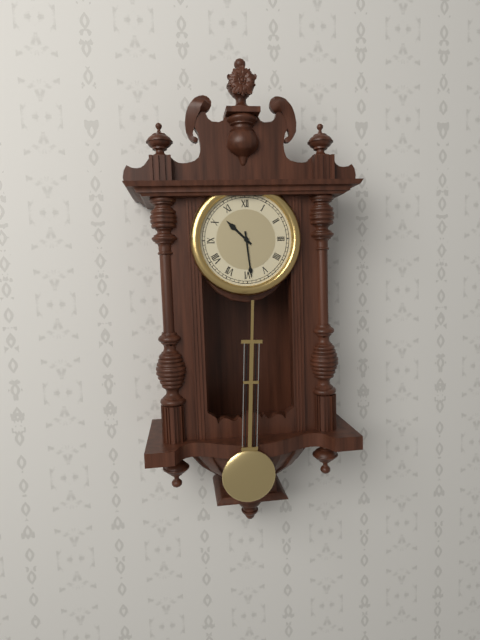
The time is h=10 m=29
